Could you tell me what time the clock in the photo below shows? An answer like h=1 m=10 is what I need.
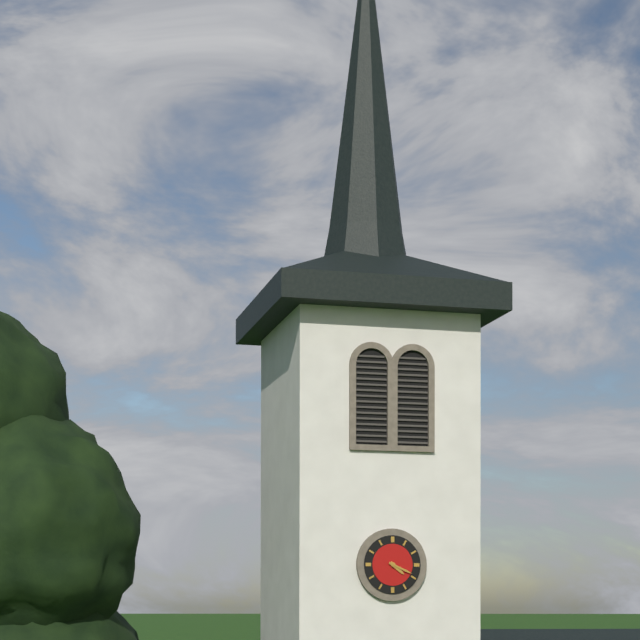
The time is h=4 m=19
